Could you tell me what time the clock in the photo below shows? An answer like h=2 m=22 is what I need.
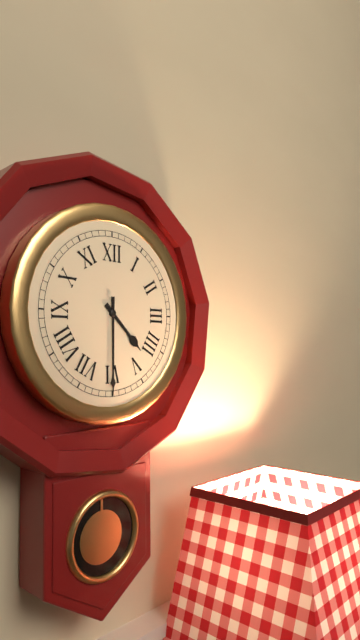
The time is h=4 m=30
